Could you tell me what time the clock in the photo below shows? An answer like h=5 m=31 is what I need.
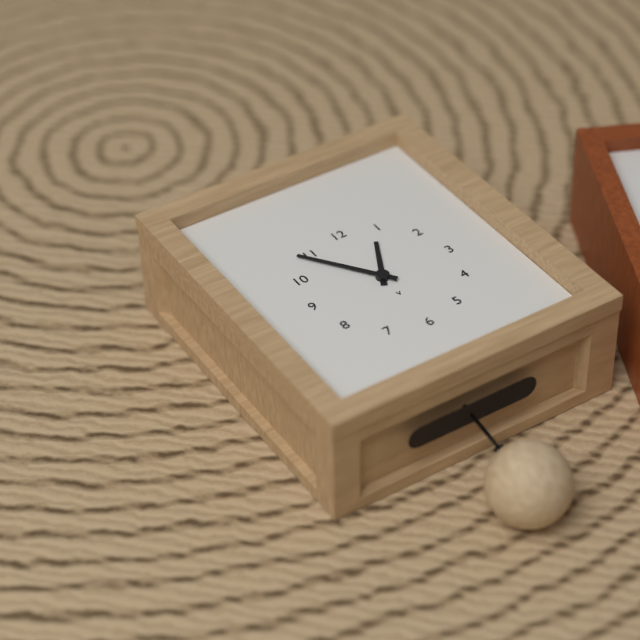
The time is h=12 m=54
